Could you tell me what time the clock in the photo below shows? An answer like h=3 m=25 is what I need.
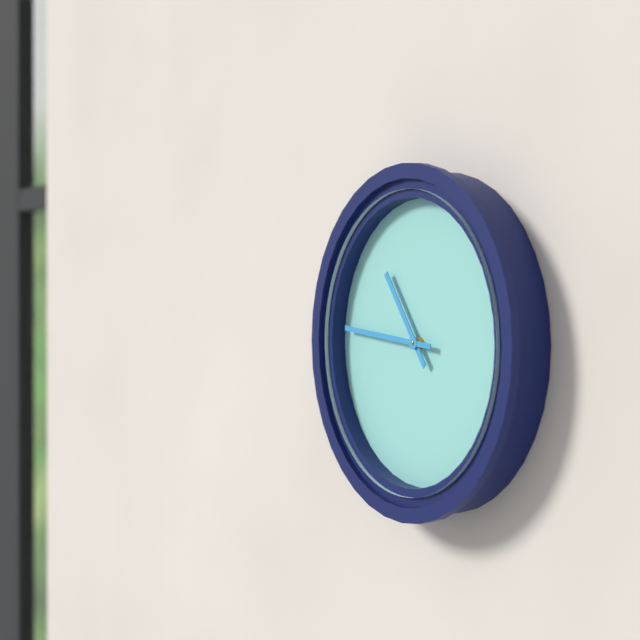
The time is h=10 m=46
